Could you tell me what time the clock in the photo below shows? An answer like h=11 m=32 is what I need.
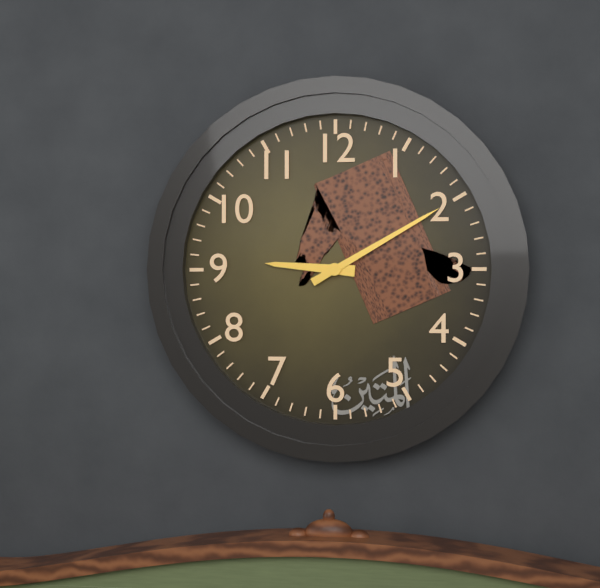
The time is h=9 m=10
